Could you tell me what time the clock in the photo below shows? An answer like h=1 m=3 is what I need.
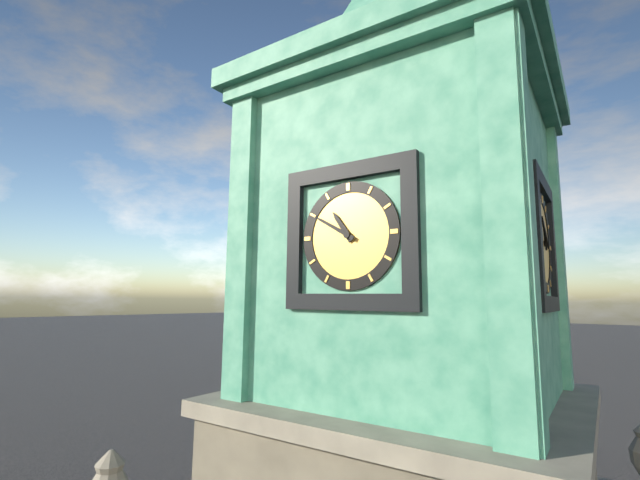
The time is h=10 m=50
